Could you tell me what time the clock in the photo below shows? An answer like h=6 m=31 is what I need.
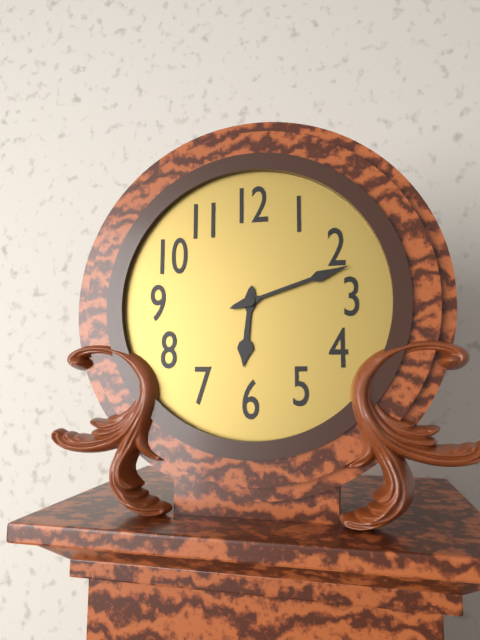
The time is h=6 m=12
